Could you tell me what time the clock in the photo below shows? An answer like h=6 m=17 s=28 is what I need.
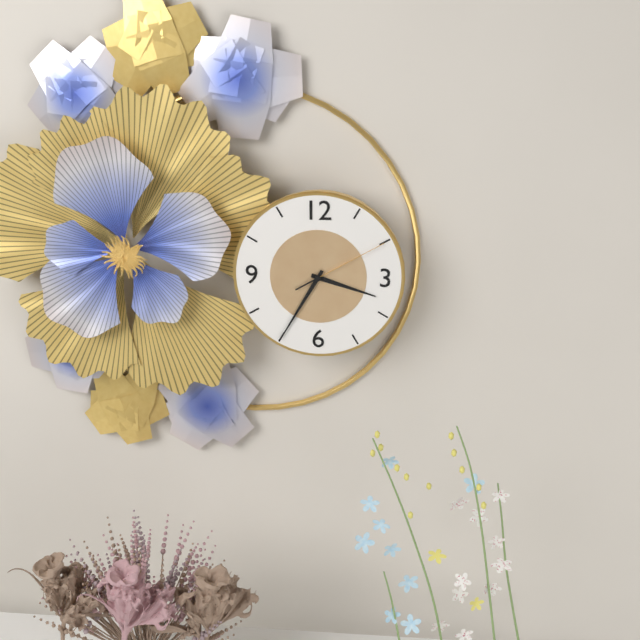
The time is h=3 m=35 s=10
